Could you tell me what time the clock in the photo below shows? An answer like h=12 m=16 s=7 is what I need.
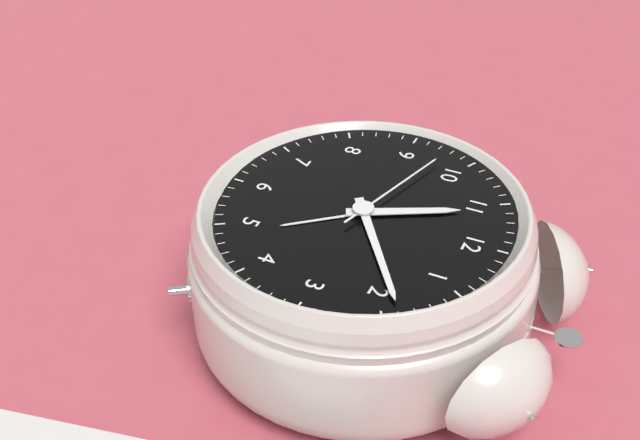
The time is h=11 m=9 s=48
